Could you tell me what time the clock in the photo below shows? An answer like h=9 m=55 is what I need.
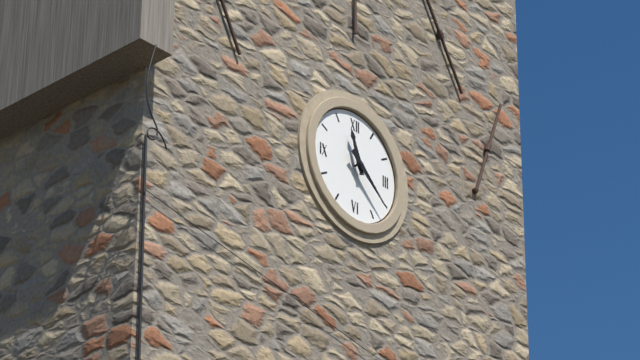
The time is h=11 m=22
